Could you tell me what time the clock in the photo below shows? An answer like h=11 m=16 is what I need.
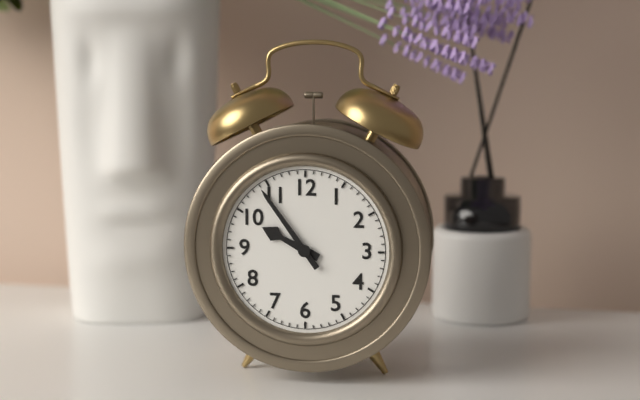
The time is h=9 m=54
